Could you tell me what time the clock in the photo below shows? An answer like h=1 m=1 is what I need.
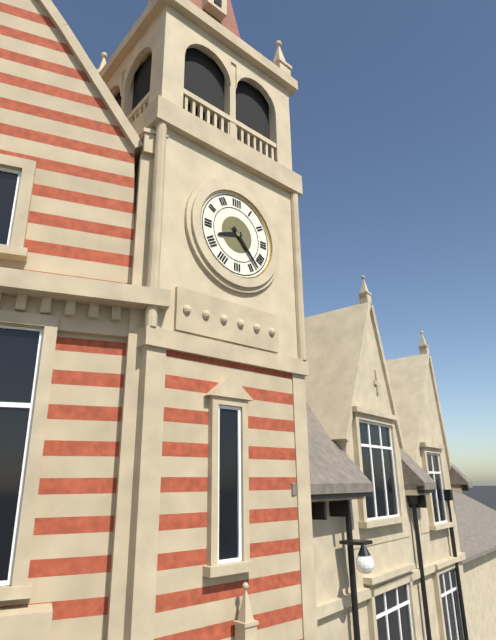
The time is h=8 m=23
